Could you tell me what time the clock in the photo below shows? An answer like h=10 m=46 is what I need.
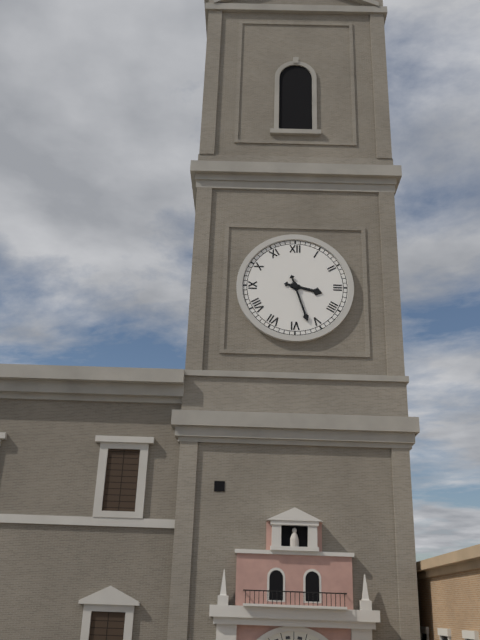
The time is h=3 m=27
